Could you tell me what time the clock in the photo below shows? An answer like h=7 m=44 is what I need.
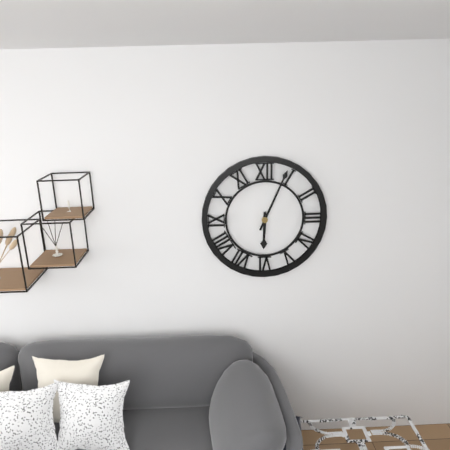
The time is h=6 m=4
